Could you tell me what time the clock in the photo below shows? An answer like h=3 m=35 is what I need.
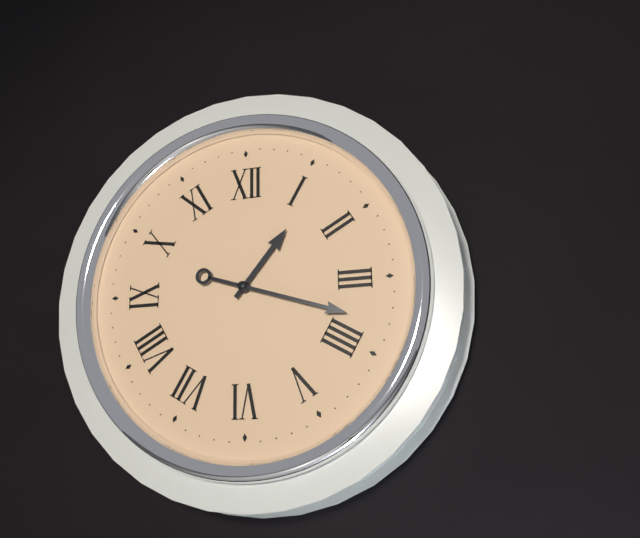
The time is h=1 m=18
